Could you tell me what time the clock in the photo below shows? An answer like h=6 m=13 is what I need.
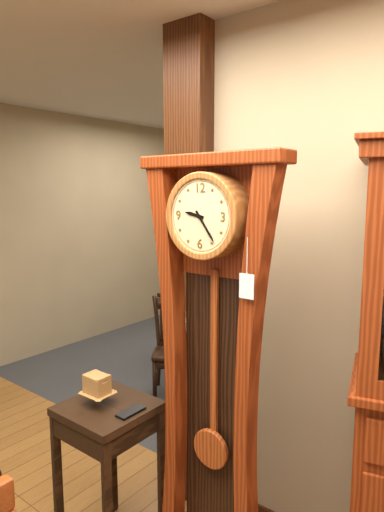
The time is h=9 m=24
